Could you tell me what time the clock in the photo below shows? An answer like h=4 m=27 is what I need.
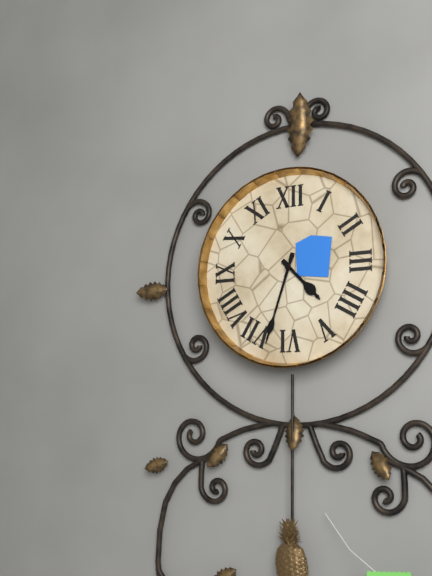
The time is h=4 m=33
